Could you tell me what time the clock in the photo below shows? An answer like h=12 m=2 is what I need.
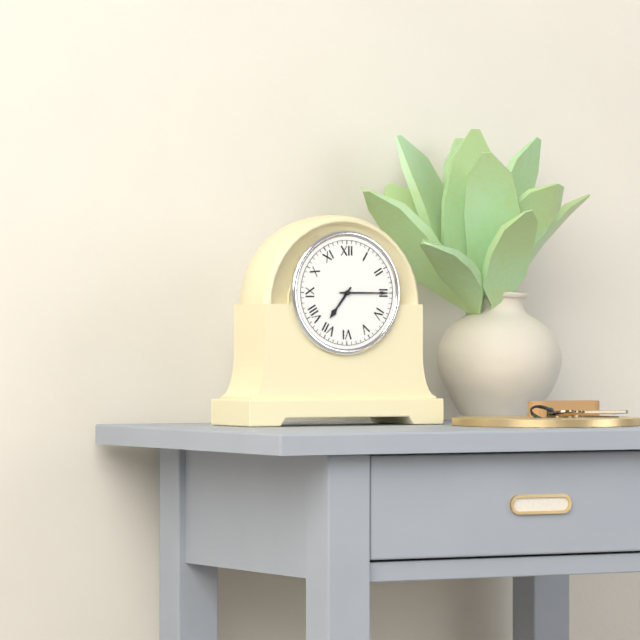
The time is h=7 m=15
